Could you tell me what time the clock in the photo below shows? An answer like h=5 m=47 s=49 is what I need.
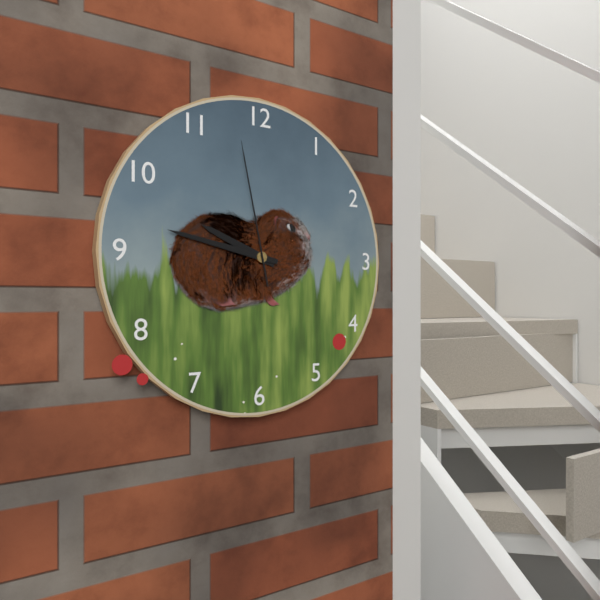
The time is h=9 m=47 s=58
